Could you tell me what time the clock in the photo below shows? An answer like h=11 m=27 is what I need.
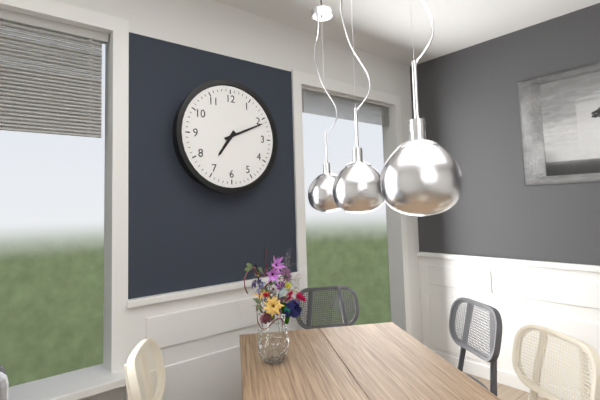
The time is h=7 m=11
